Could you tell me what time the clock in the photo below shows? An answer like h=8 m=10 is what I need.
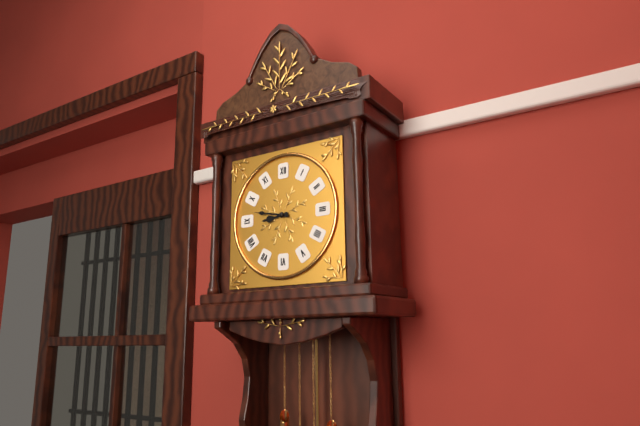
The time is h=8 m=47
